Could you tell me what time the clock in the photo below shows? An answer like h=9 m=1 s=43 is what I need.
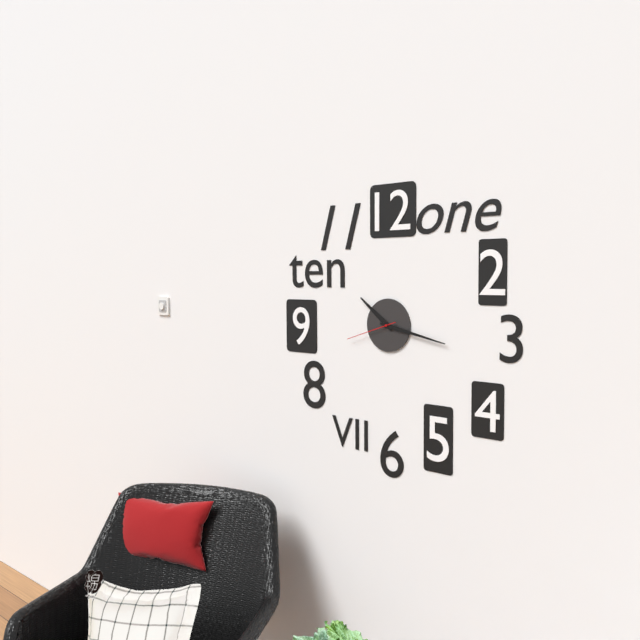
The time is h=10 m=17 s=42
